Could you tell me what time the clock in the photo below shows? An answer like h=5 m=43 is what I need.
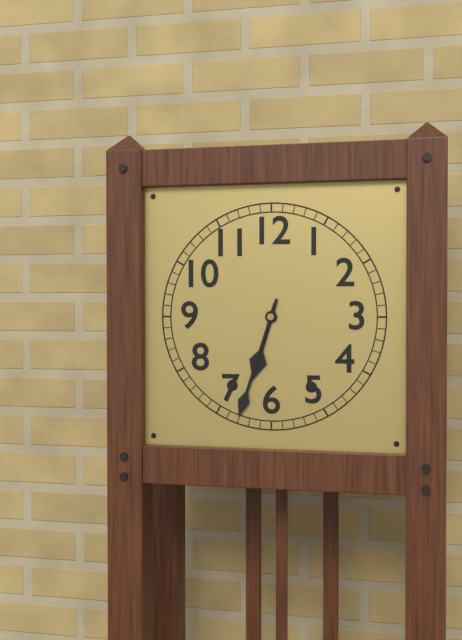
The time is h=6 m=33
